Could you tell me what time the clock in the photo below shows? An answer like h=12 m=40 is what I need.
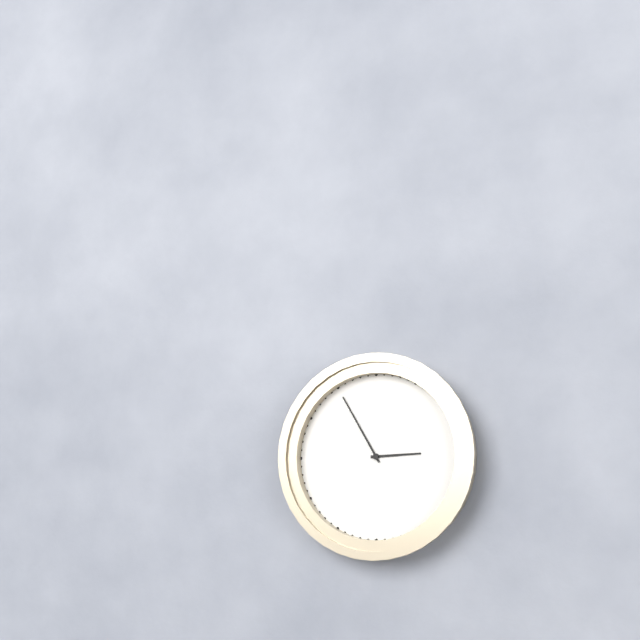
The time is h=2 m=55
